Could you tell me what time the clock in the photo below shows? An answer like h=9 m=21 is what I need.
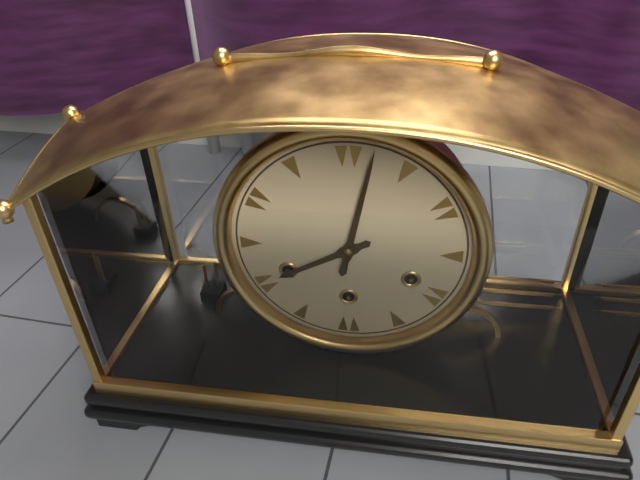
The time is h=8 m=2
